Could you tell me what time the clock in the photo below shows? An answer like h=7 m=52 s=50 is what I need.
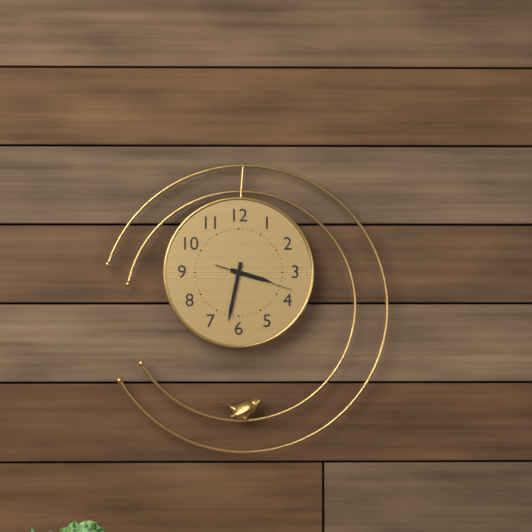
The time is h=3 m=32 s=18
